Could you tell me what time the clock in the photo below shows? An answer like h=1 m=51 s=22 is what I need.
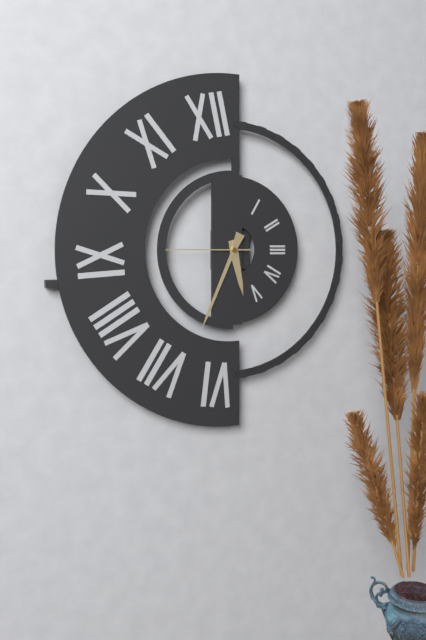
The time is h=5 m=34 s=45
